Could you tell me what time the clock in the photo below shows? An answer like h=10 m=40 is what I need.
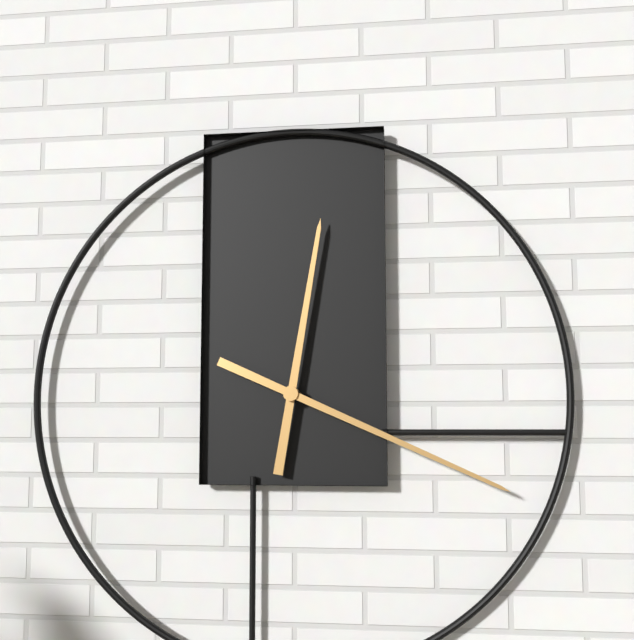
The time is h=12 m=19
